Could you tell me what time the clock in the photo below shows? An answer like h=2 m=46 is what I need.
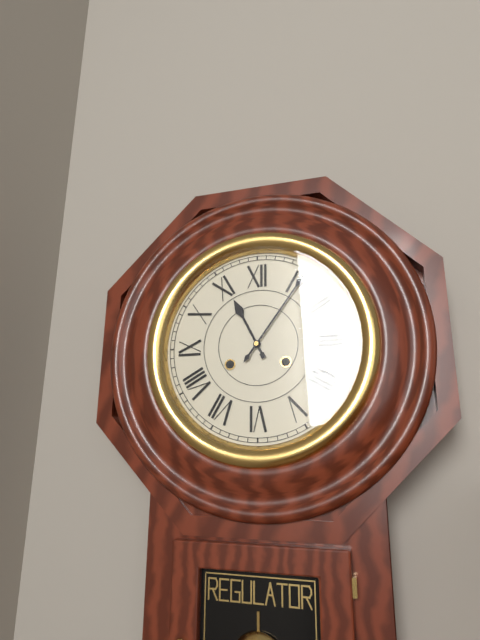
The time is h=11 m=6
